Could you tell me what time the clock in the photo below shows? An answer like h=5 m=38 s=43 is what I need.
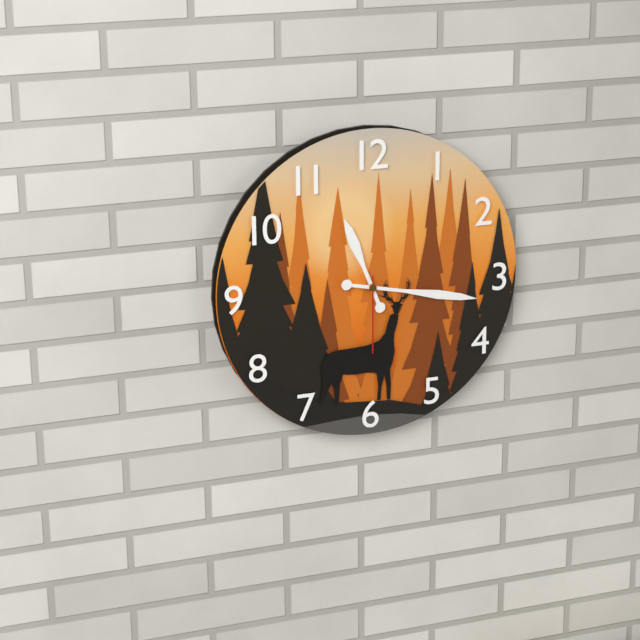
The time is h=11 m=17 s=30
